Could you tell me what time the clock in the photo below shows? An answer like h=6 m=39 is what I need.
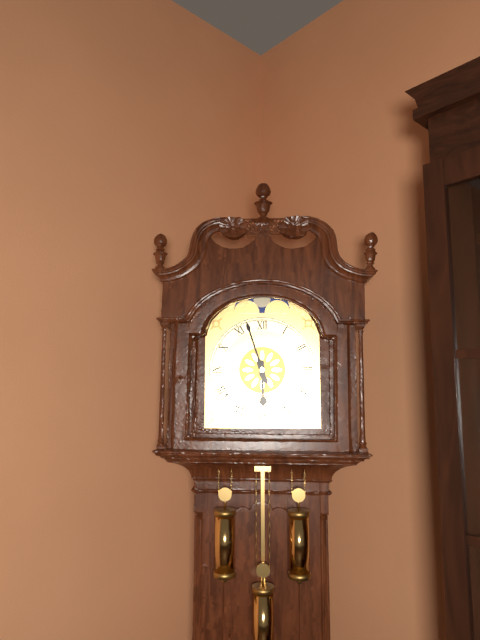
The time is h=5 m=57
